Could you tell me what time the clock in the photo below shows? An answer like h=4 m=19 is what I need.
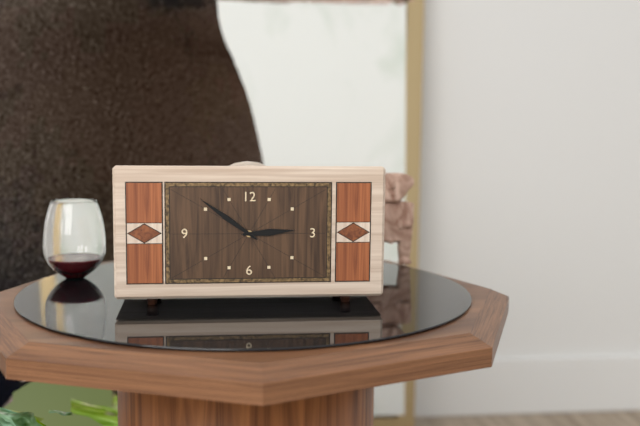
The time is h=2 m=51
